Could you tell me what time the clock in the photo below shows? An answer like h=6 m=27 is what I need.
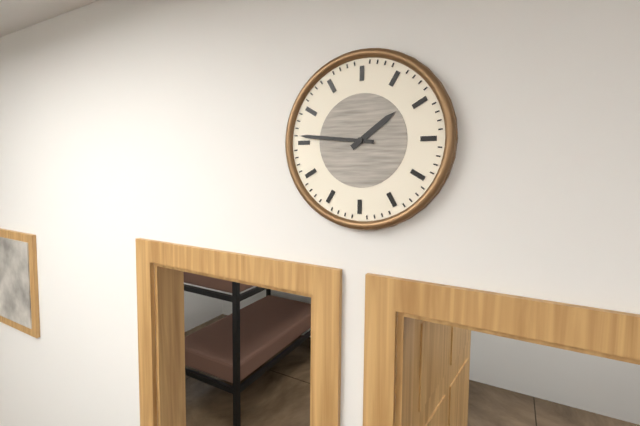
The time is h=1 m=46
